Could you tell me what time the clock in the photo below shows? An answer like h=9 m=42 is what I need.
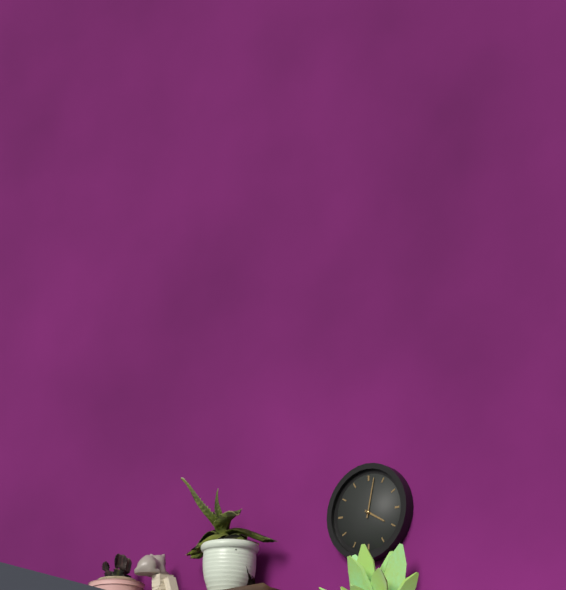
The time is h=4 m=2
